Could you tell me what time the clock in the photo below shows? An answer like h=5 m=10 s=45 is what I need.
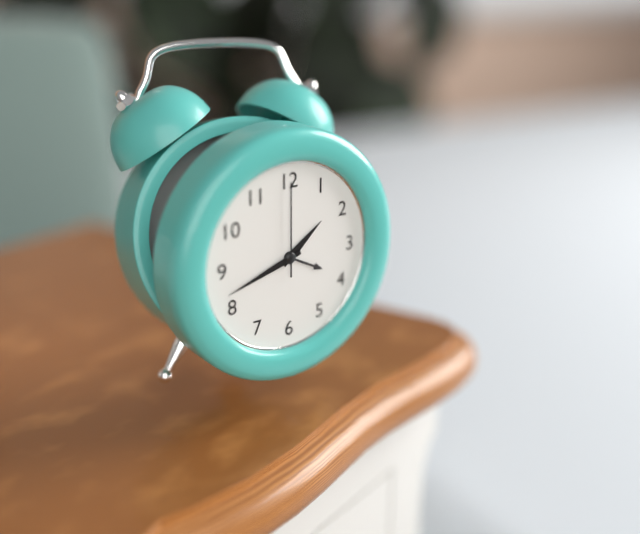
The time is h=1 m=42 s=0
